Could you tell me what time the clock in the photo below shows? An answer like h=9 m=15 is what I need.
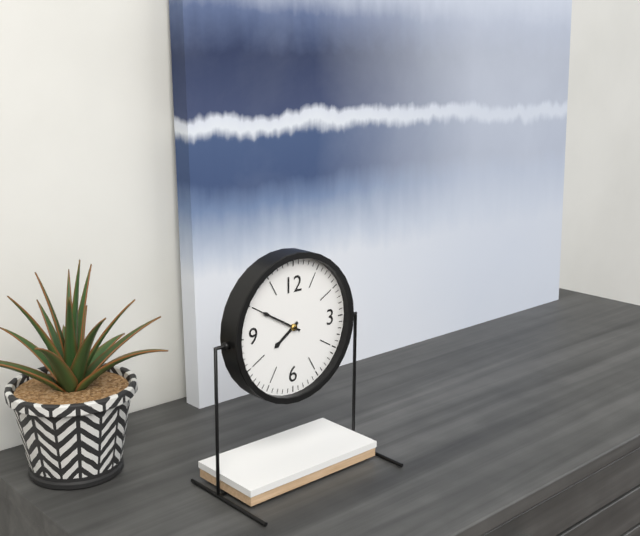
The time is h=7 m=50
